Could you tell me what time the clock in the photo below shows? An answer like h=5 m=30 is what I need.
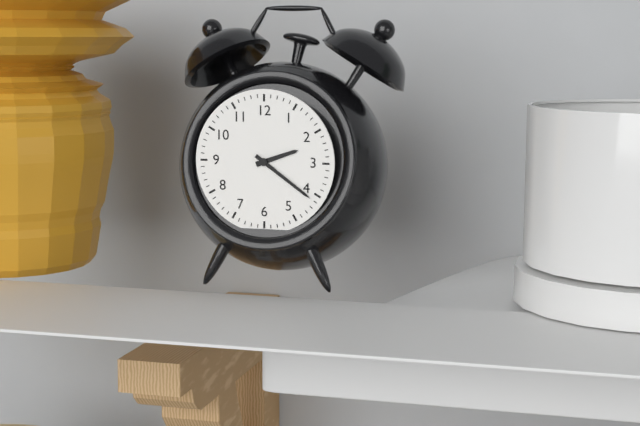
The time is h=2 m=21
